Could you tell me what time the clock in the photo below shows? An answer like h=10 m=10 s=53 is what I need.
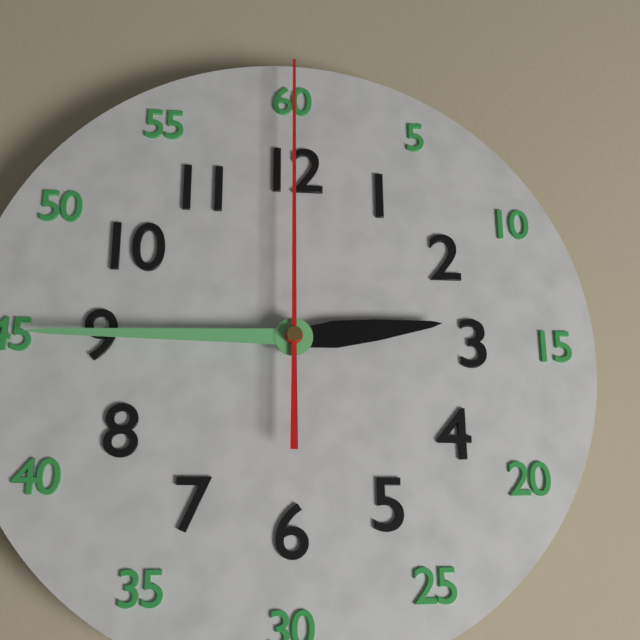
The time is h=2 m=45 s=0
